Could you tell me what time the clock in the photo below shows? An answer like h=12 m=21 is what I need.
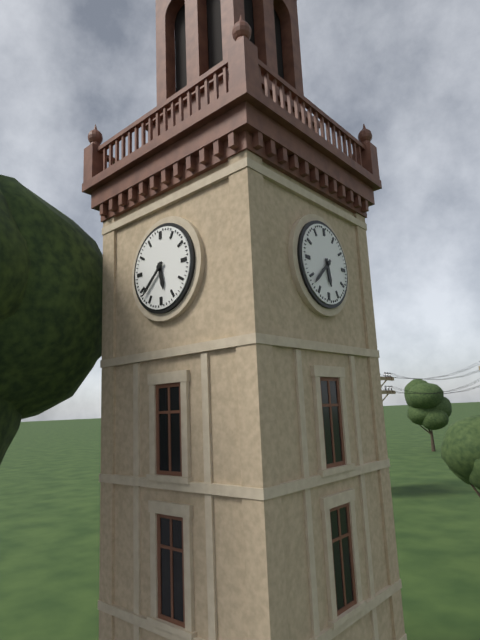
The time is h=5 m=38
